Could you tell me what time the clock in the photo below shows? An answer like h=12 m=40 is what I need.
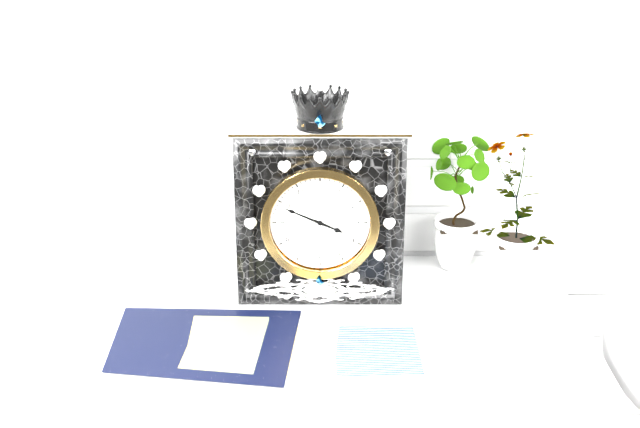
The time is h=3 m=49
